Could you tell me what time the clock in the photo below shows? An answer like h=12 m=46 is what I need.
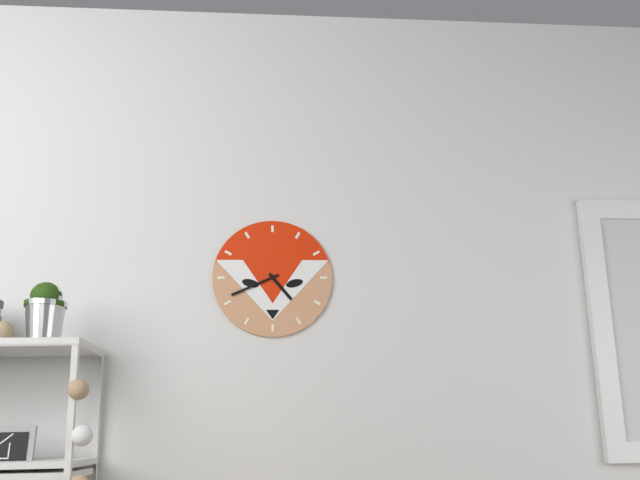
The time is h=4 m=41
